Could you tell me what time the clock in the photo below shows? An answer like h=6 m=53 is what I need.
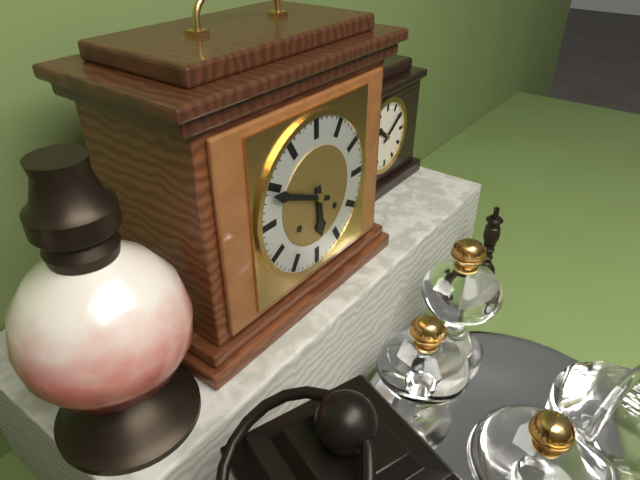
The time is h=5 m=49
